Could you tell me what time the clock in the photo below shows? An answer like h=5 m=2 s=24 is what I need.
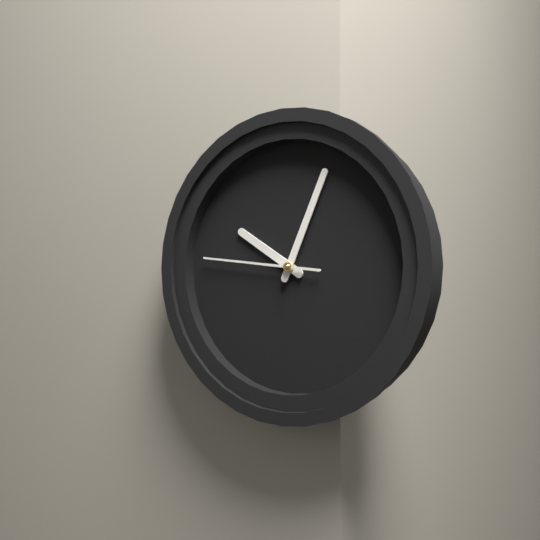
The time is h=10 m=4 s=46
